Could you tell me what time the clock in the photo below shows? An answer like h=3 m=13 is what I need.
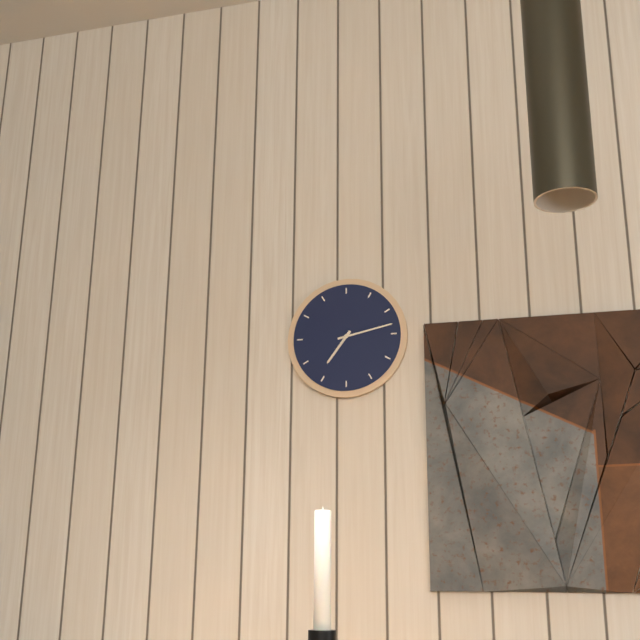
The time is h=7 m=13
